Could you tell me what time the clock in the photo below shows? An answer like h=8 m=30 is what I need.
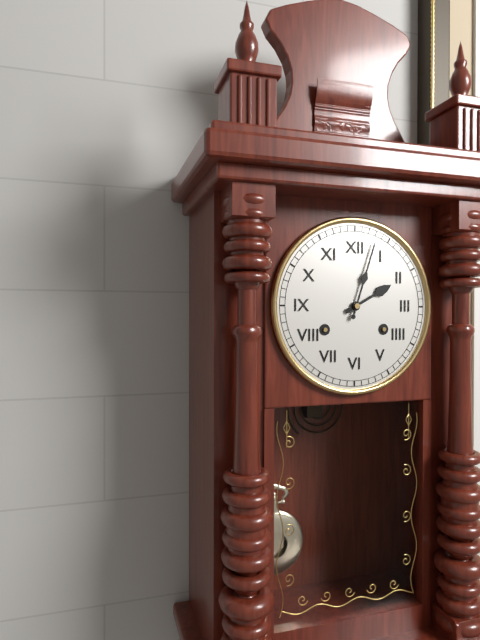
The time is h=2 m=3
